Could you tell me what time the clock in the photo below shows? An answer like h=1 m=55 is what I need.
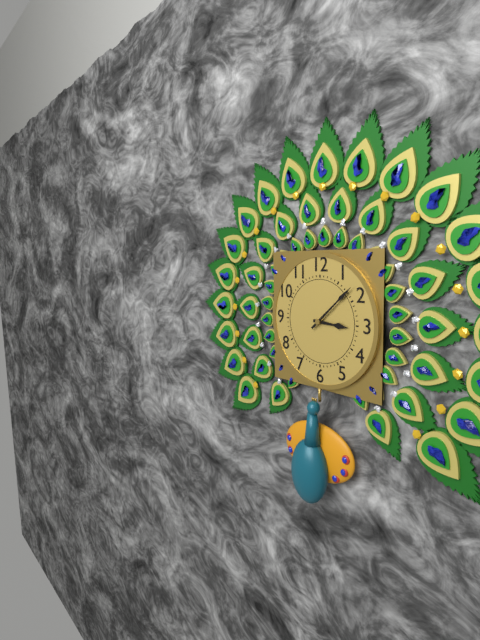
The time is h=3 m=8
